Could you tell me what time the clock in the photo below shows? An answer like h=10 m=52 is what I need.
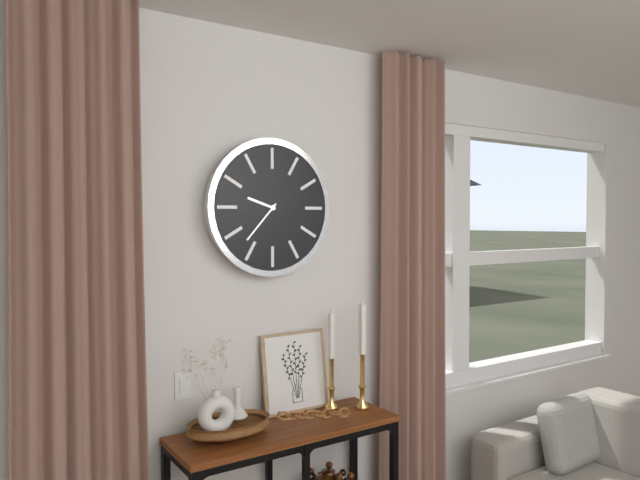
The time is h=9 m=37
